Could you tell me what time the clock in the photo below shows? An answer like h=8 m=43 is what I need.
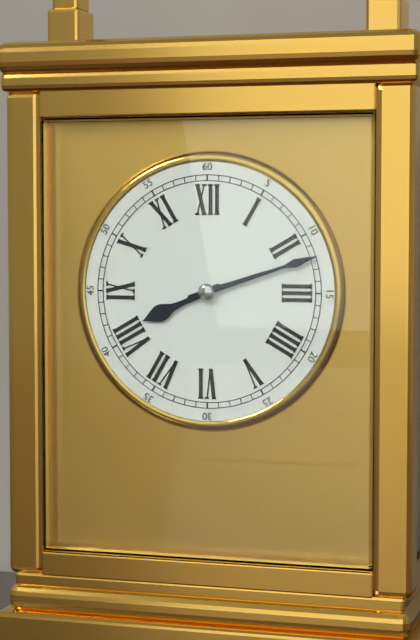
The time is h=8 m=12
